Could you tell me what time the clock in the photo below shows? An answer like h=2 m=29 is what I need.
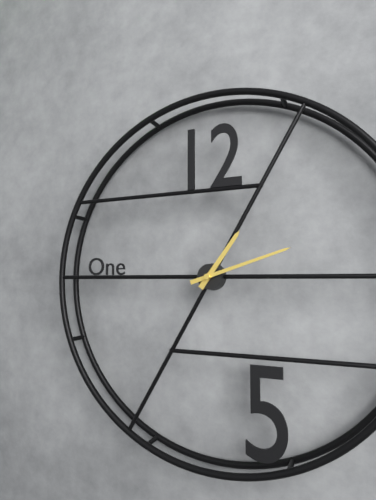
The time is h=1 m=12
